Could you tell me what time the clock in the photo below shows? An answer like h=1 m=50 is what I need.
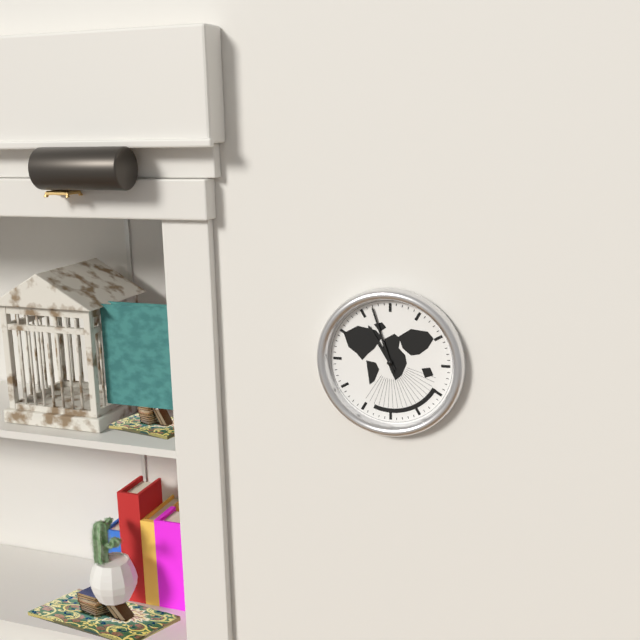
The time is h=10 m=57
